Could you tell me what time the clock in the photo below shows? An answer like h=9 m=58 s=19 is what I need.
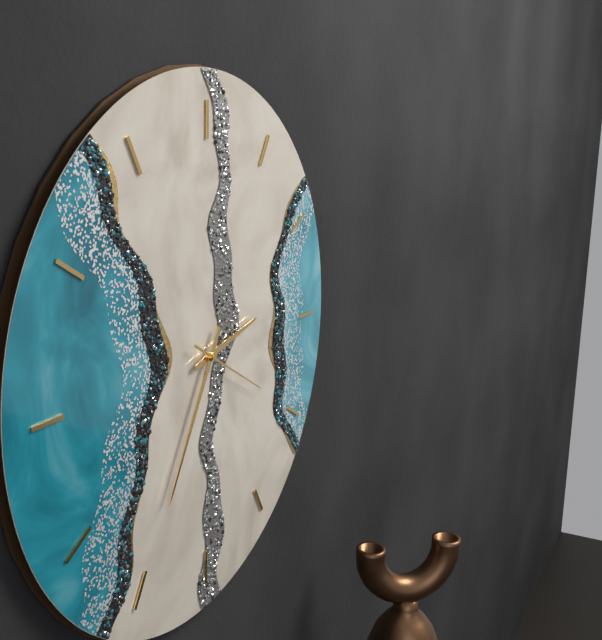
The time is h=2 m=35 s=20
